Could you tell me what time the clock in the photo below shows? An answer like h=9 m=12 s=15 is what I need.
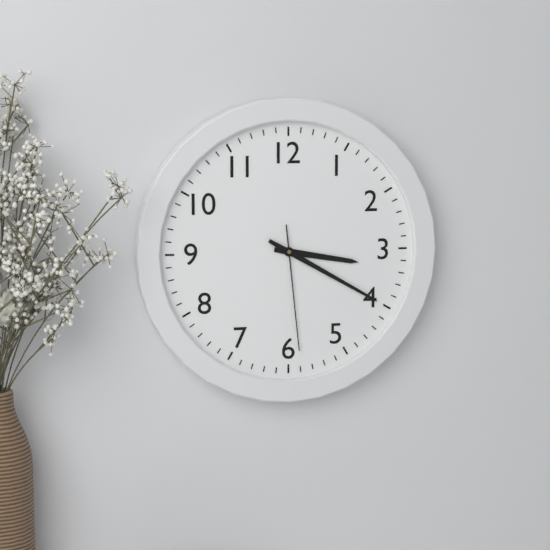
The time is h=3 m=20 s=29
